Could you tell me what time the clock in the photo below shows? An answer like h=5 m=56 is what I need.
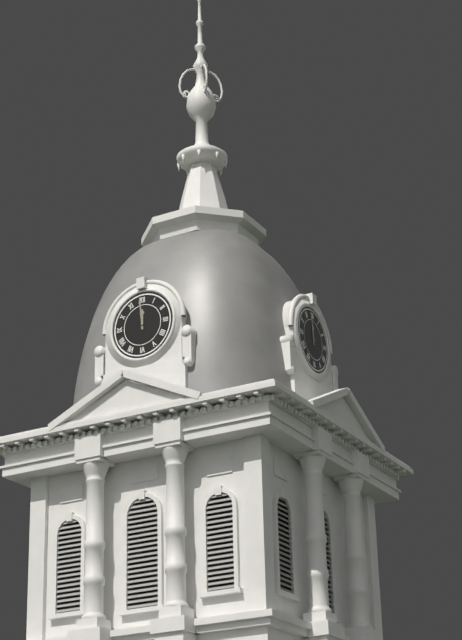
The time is h=11 m=59
